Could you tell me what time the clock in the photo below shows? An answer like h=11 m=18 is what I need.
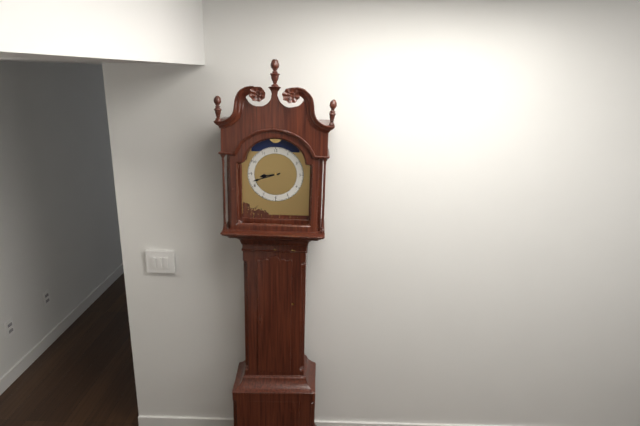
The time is h=8 m=42
